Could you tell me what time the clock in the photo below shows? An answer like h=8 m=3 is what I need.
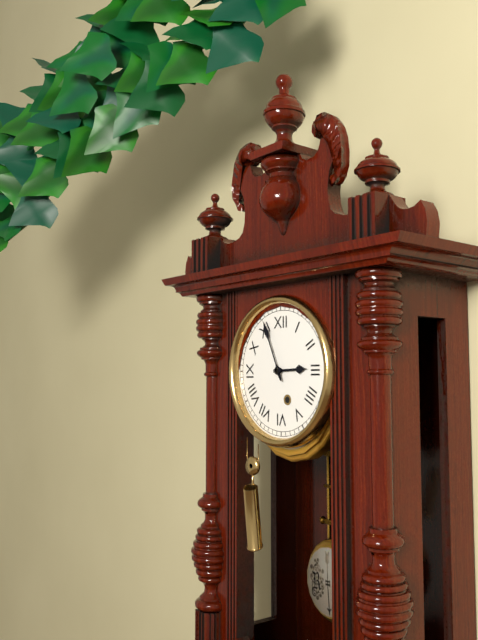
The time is h=2 m=56
